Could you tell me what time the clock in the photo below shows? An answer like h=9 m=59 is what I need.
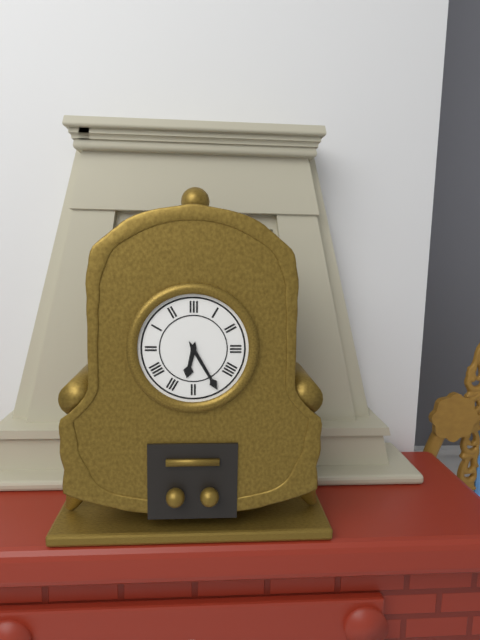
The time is h=6 m=25
